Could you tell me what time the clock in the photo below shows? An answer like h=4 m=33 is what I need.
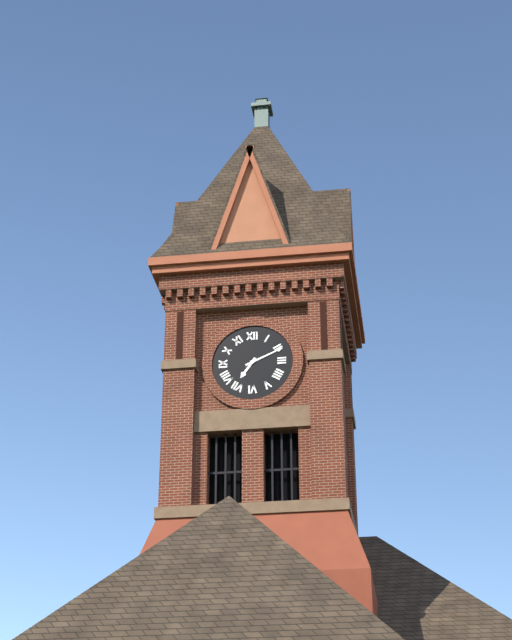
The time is h=7 m=11
